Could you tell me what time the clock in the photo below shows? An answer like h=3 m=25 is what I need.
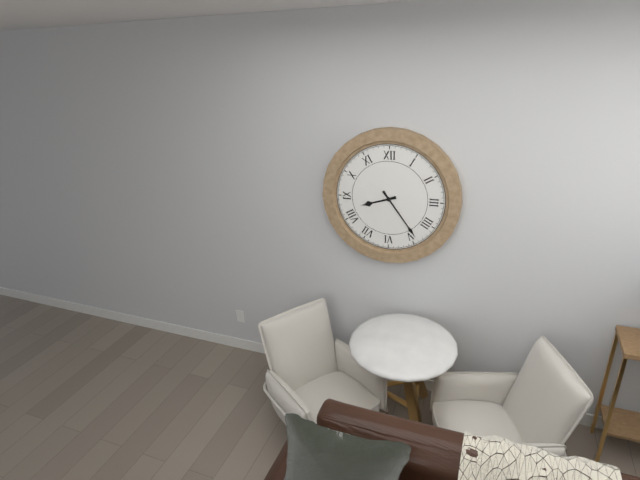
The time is h=8 m=24
